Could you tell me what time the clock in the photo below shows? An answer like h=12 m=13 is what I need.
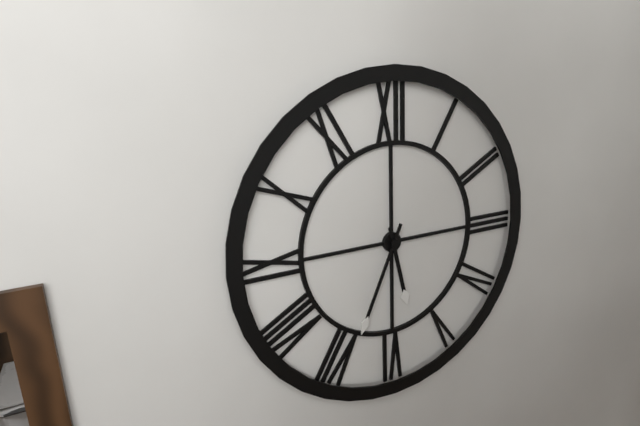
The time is h=5 m=34
